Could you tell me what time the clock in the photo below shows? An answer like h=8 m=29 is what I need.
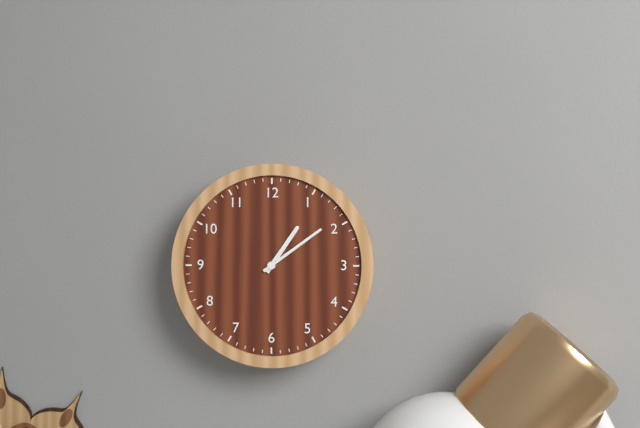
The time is h=1 m=9
